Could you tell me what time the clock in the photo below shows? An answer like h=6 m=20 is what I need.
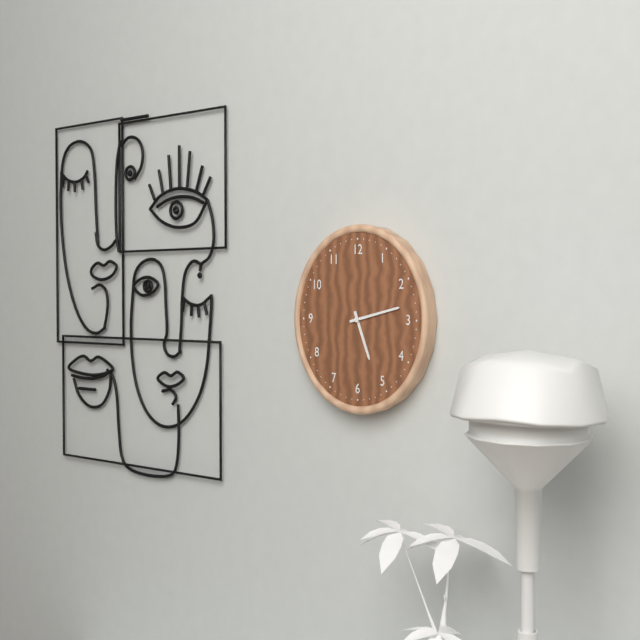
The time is h=5 m=13
